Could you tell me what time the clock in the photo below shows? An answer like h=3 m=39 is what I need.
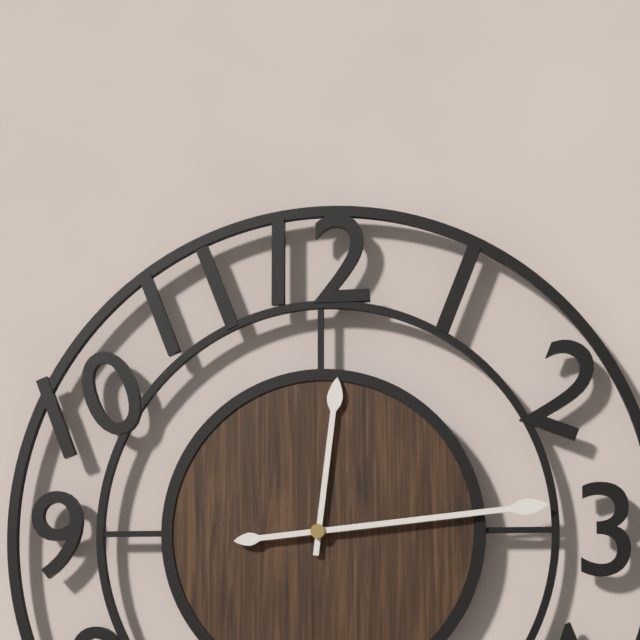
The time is h=12 m=14
